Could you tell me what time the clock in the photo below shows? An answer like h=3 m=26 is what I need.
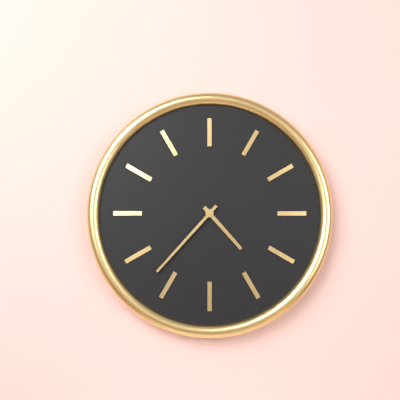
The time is h=4 m=37
